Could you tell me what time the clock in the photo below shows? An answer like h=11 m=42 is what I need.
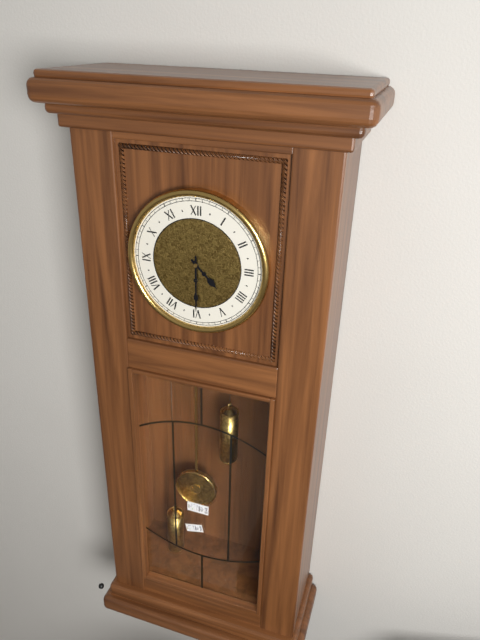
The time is h=4 m=30
